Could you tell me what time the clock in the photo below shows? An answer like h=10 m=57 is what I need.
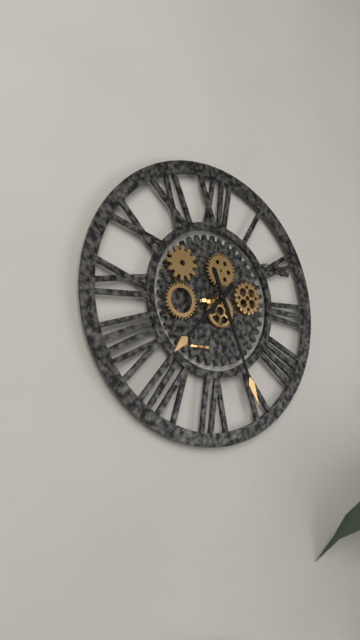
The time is h=7 m=26
